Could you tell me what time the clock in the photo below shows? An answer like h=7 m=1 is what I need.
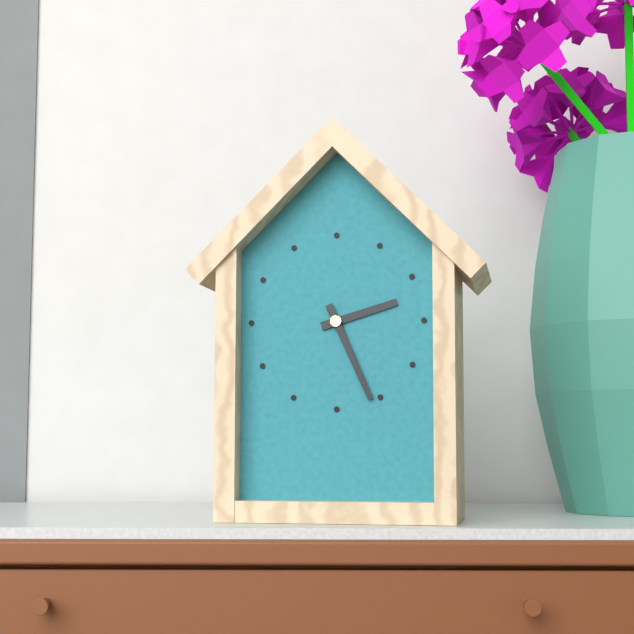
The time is h=2 m=26
